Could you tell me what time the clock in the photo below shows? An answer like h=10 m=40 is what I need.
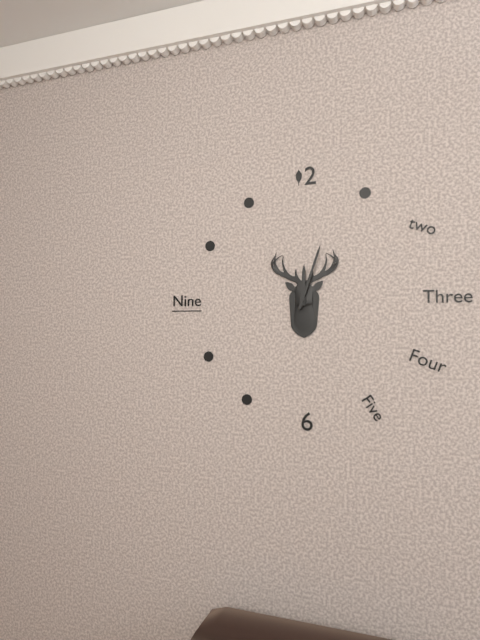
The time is h=12 m=3
